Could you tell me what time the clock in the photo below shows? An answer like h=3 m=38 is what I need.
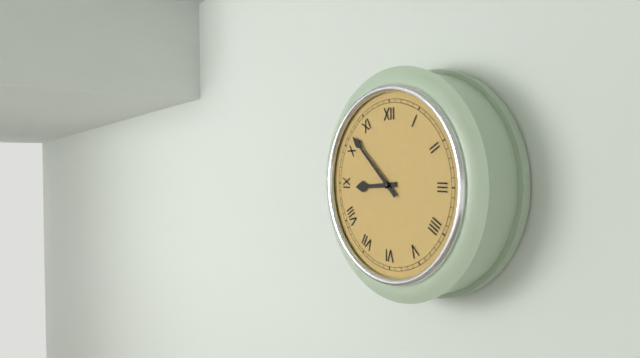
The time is h=8 m=52
